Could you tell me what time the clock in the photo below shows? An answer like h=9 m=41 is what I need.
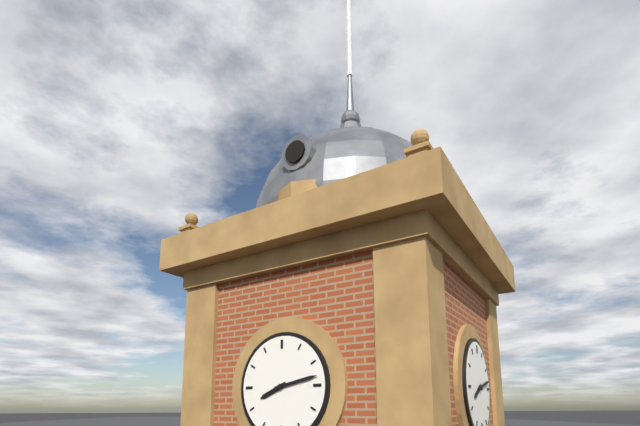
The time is h=8 m=13
